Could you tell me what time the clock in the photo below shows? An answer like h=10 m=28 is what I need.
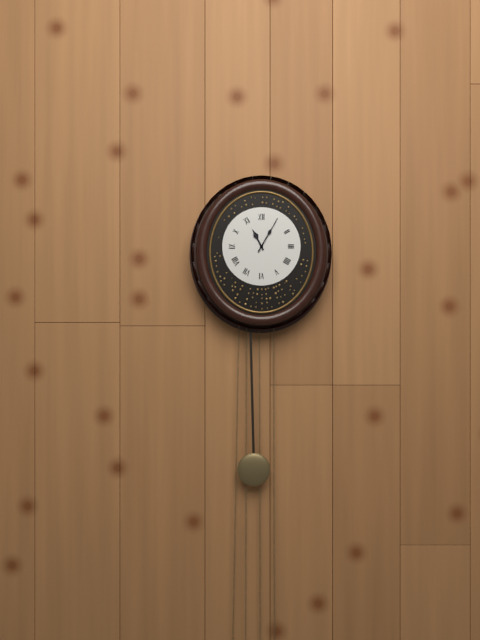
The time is h=11 m=5
